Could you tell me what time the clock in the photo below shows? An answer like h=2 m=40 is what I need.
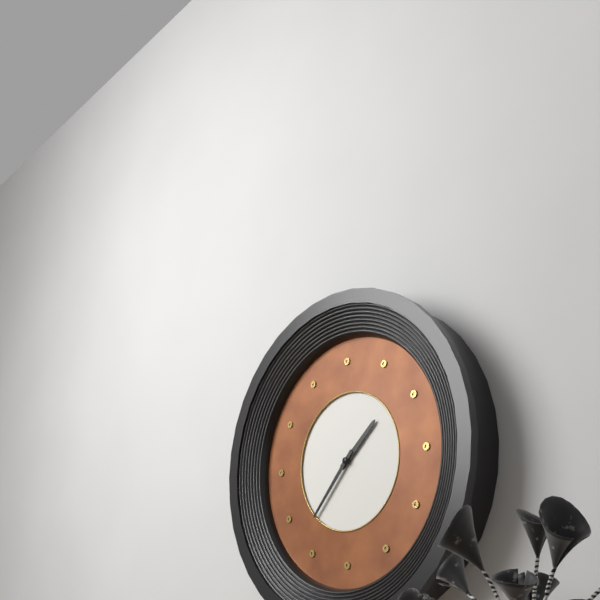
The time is h=1 m=37
